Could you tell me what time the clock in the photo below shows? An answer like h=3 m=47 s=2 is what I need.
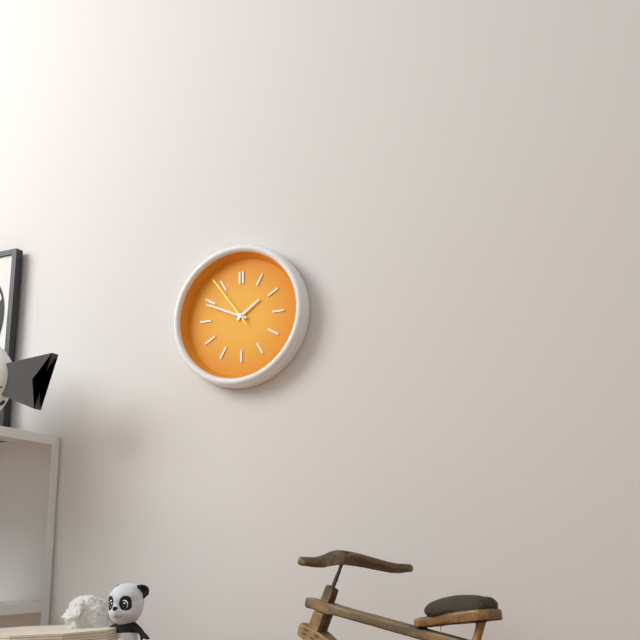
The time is h=1 m=49 s=54
